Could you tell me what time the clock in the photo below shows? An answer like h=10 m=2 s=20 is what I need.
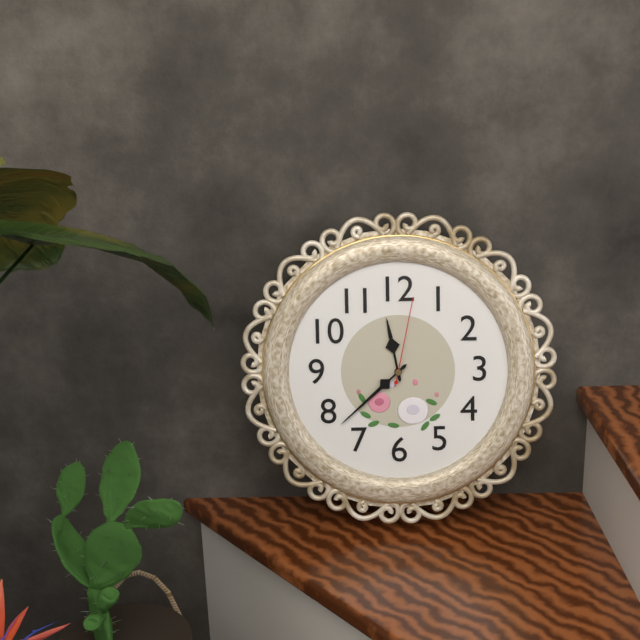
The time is h=11 m=38 s=2
